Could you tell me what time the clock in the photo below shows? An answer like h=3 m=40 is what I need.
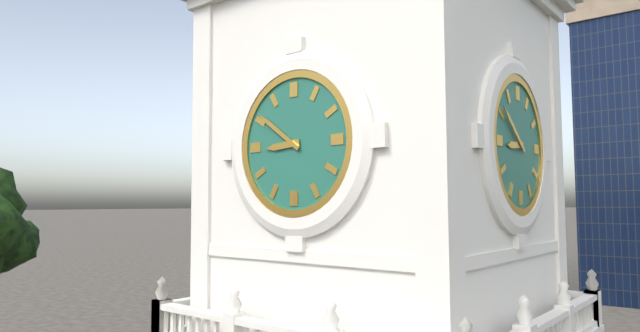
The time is h=8 m=51
